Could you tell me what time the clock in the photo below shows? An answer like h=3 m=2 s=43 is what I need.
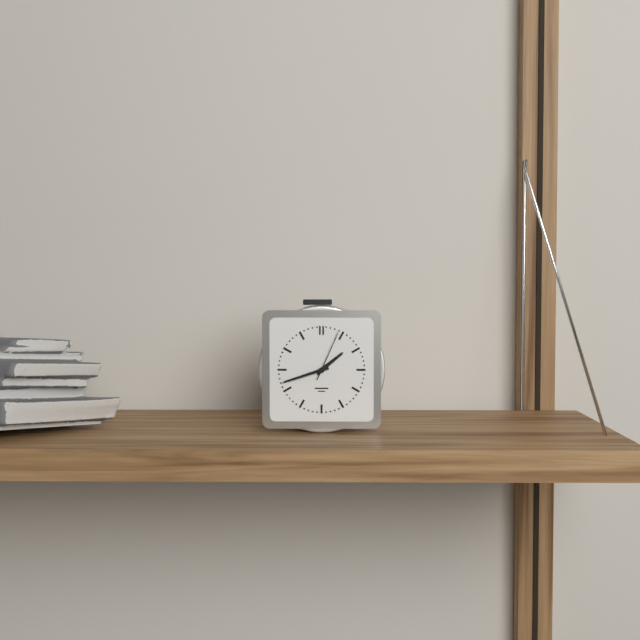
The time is h=1 m=42 s=4
